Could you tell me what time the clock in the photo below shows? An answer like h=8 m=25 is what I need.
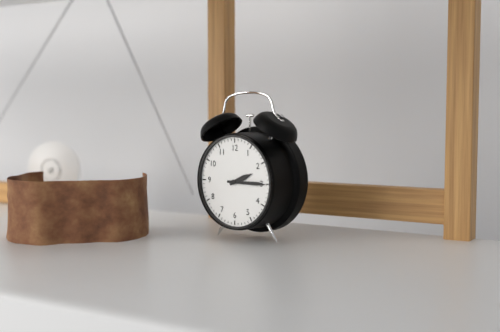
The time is h=2 m=15
